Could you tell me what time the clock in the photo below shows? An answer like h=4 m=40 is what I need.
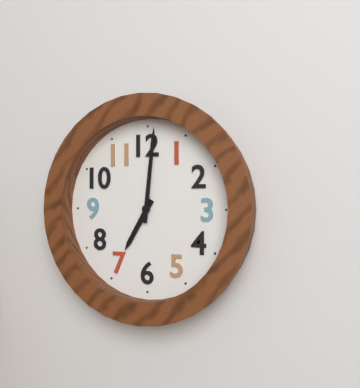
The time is h=7 m=1
